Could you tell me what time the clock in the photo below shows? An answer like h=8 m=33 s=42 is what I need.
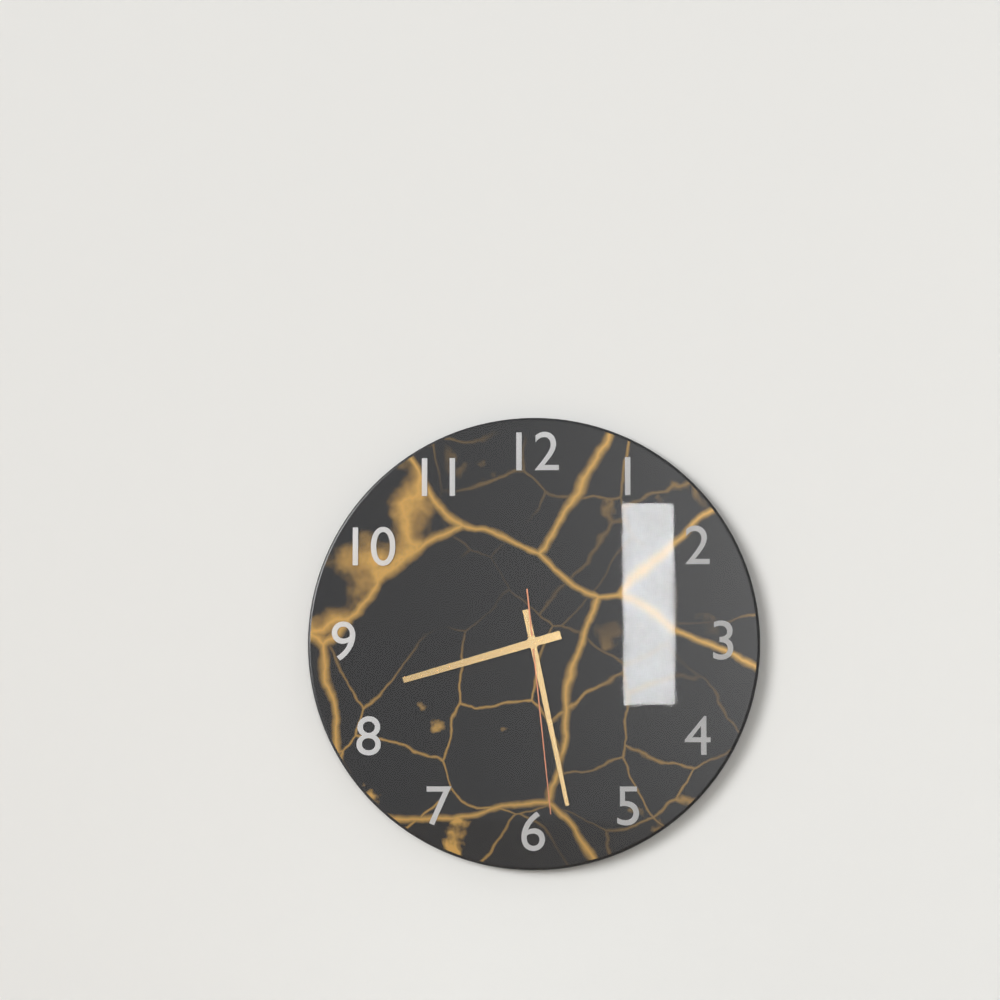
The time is h=8 m=28 s=29
